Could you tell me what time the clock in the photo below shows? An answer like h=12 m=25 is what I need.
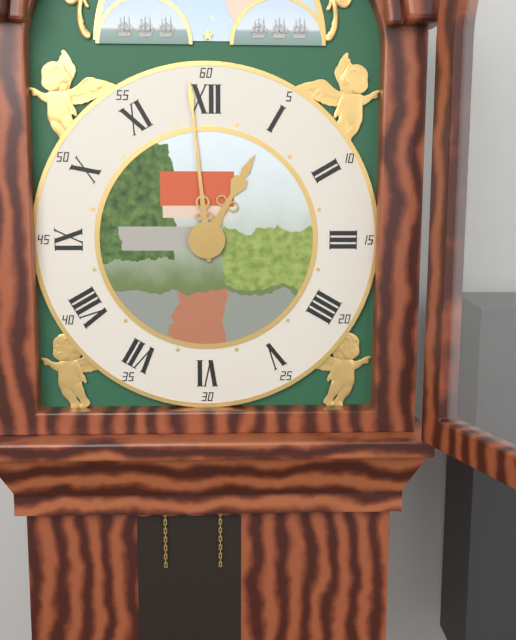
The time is h=12 m=59
